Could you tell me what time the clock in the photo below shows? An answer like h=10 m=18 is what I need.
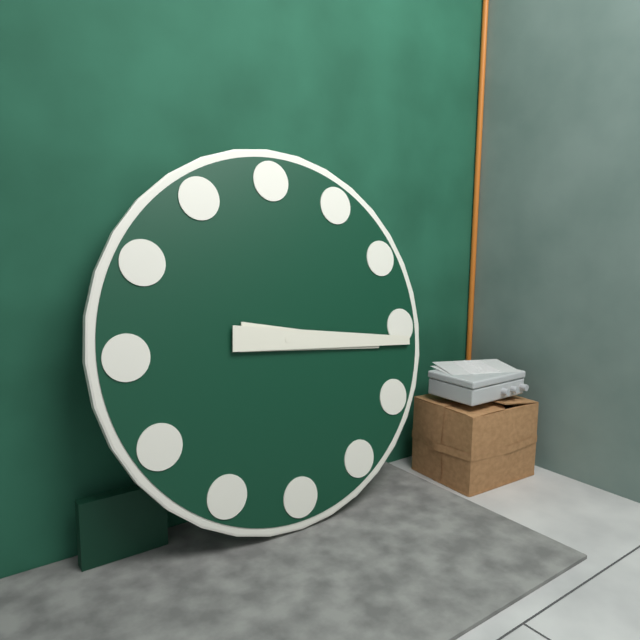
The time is h=3 m=16
